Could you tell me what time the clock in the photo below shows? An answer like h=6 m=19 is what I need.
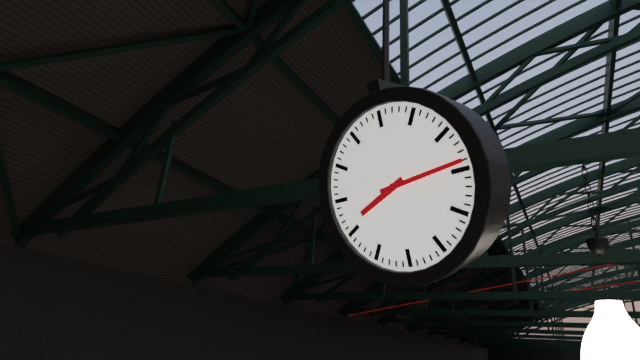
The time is h=8 m=14
